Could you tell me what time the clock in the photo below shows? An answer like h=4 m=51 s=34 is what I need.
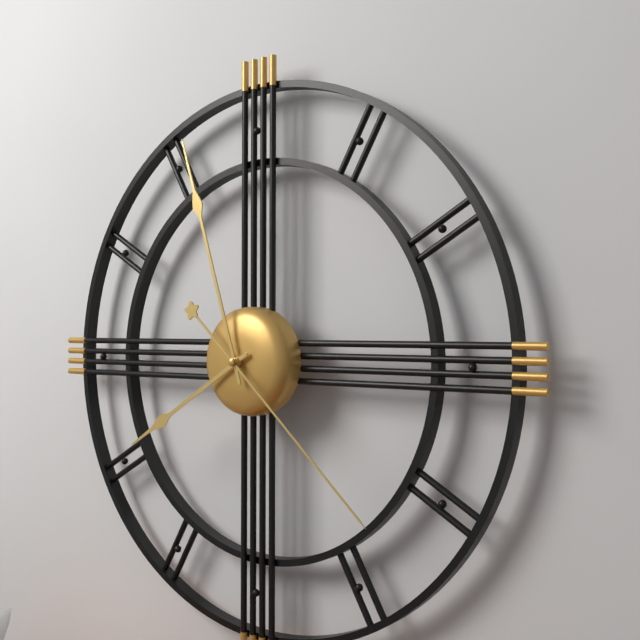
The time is h=7 m=57 s=22
